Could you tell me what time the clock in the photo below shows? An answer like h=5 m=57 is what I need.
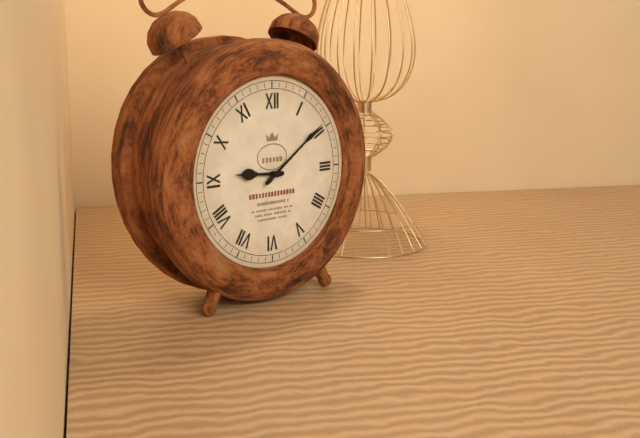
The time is h=9 m=9
